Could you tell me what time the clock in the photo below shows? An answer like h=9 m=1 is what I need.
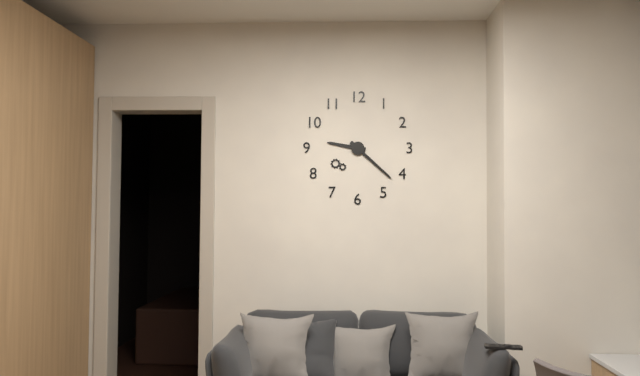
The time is h=9 m=22
